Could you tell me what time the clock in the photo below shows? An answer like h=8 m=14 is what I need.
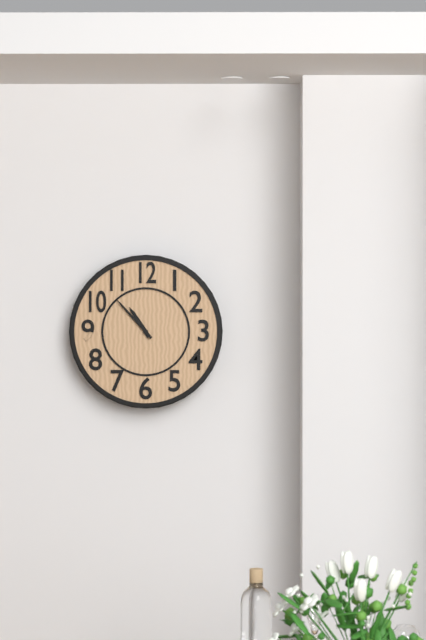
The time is h=10 m=53
